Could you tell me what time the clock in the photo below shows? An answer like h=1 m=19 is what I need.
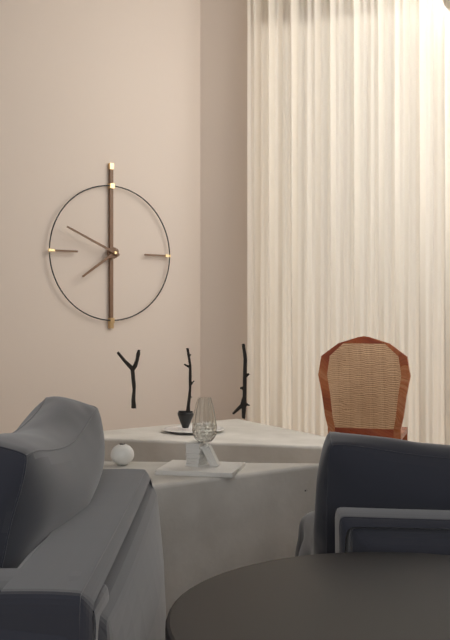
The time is h=7 m=49
